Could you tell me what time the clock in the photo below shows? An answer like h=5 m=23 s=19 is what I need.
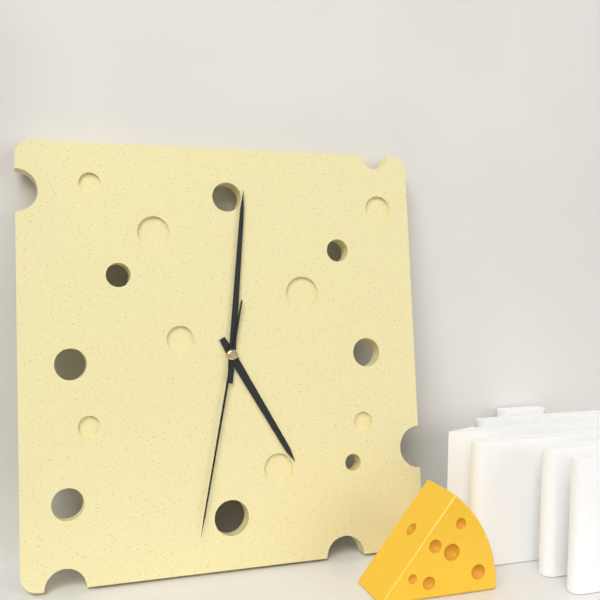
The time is h=5 m=1 s=32
